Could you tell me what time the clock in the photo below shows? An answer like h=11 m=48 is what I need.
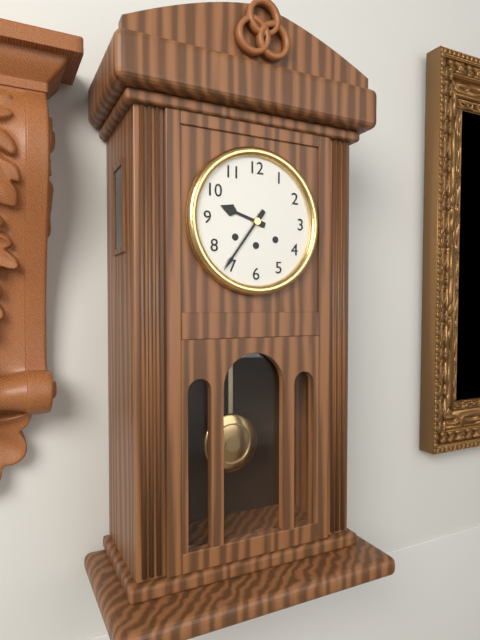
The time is h=9 m=36
